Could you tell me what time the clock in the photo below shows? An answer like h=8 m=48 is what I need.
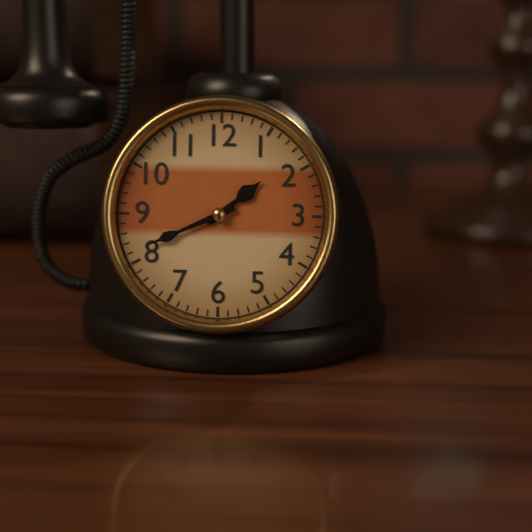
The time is h=1 m=41
